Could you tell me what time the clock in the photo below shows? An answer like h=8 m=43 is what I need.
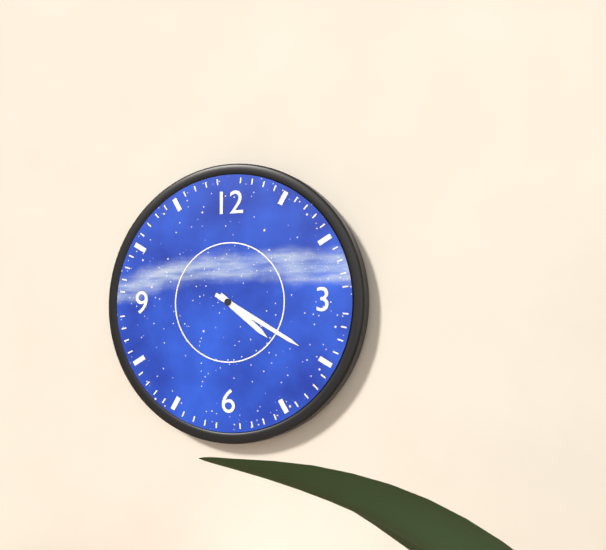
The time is h=4 m=20
